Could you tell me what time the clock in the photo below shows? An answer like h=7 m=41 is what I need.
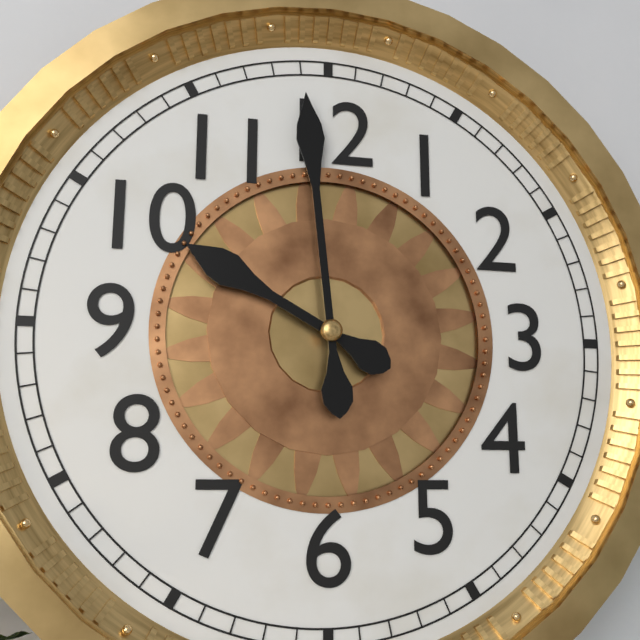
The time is h=9 m=59
